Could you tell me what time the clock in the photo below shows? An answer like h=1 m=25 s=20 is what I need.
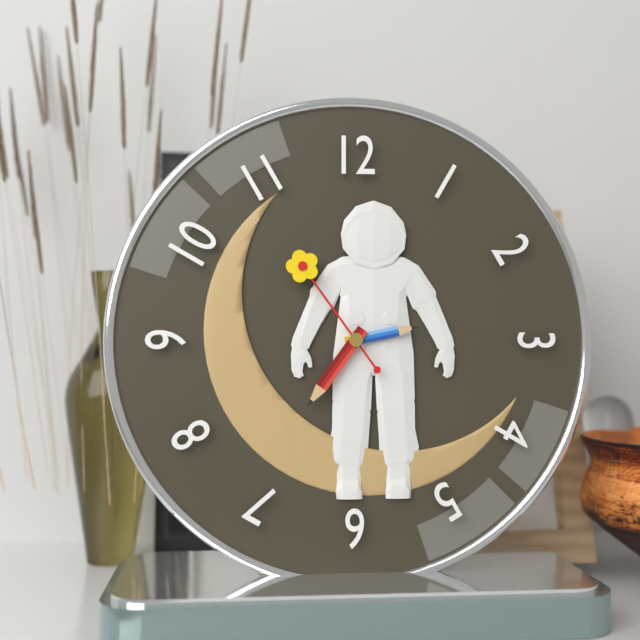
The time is h=2 m=36 s=54
